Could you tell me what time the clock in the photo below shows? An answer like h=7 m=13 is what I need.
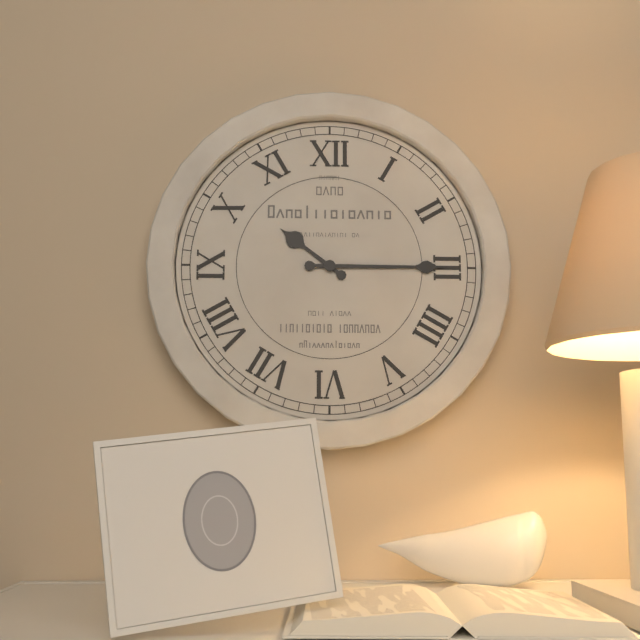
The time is h=10 m=15
